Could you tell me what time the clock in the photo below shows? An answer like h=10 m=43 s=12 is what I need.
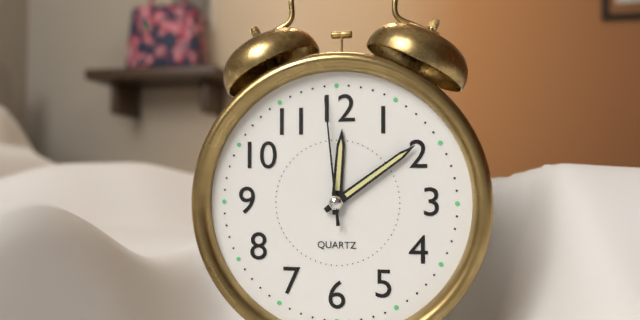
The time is h=12 m=9 s=59
